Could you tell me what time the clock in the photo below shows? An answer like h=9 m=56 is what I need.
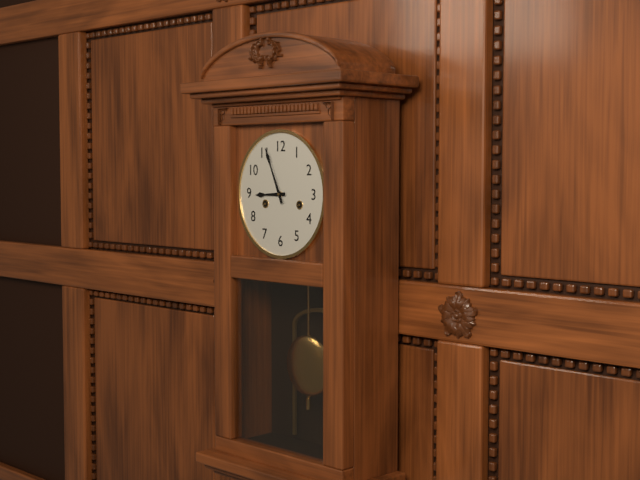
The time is h=8 m=56
